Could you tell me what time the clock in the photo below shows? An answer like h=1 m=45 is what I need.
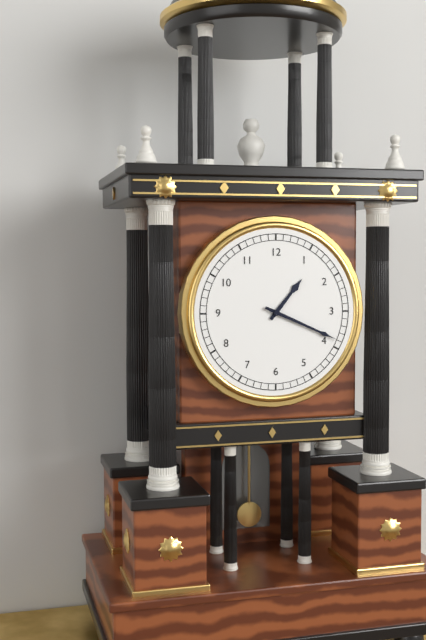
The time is h=1 m=19
